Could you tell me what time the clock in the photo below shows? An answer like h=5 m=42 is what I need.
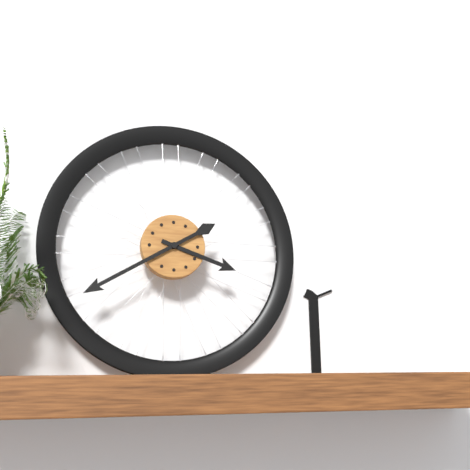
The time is h=3 m=40
